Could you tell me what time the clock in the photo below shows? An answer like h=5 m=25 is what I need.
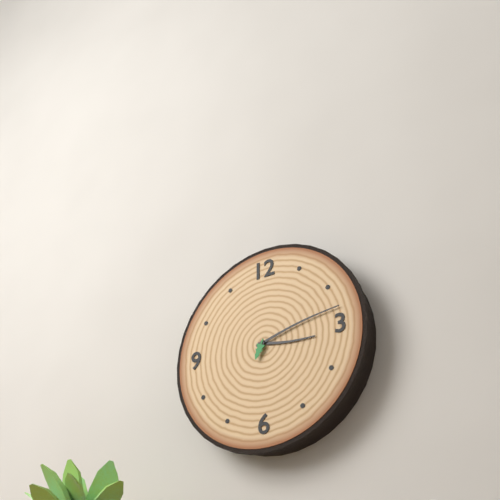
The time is h=3 m=13
